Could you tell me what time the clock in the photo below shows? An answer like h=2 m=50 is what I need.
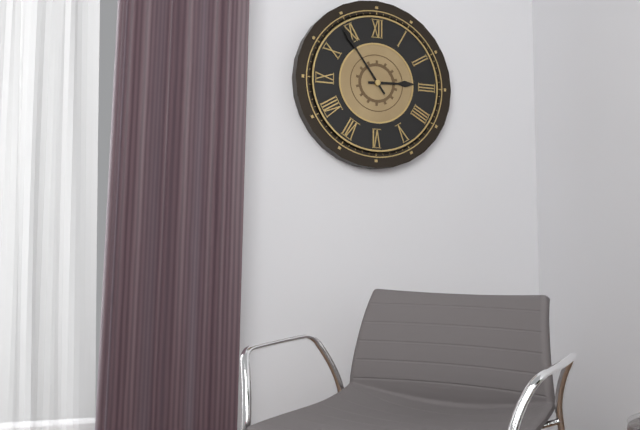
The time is h=2 m=54
